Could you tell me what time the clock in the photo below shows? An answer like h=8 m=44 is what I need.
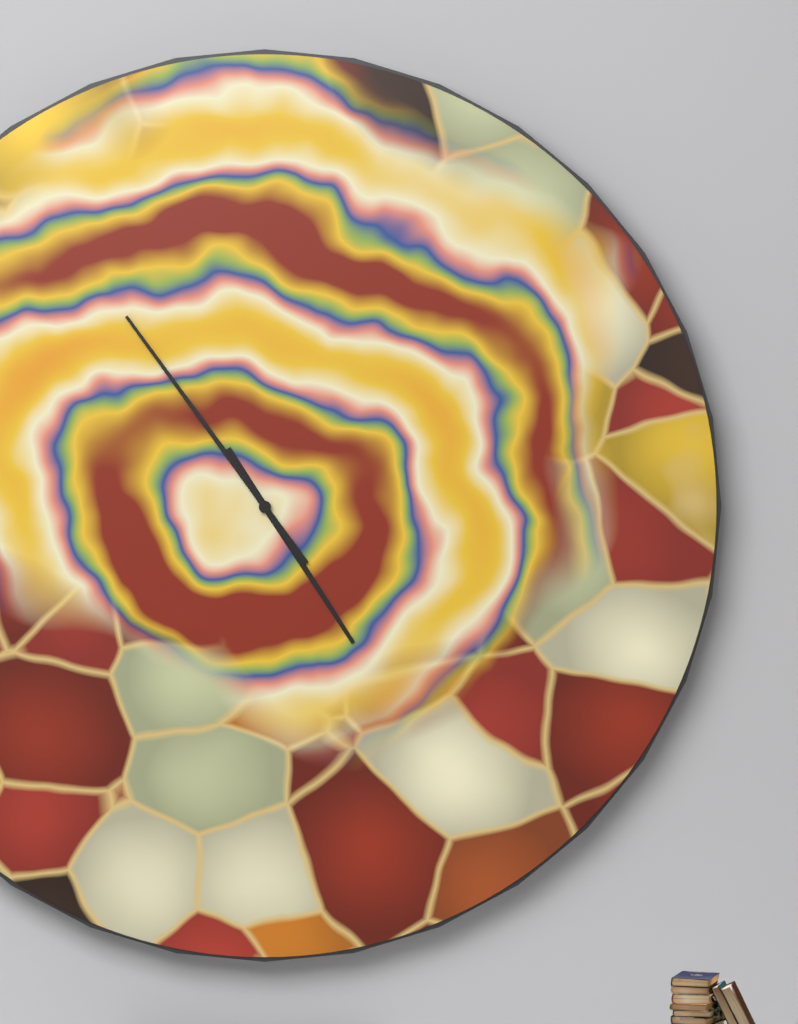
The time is h=4 m=54
